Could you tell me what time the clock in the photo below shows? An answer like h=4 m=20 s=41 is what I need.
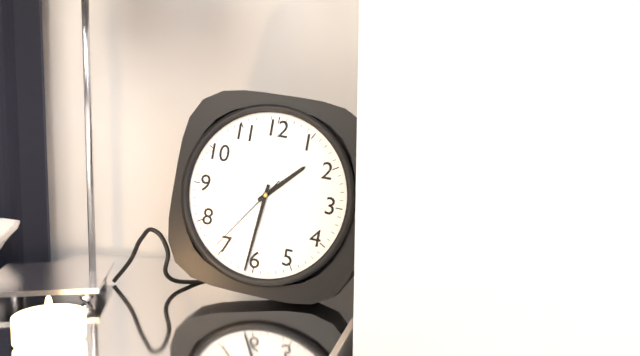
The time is h=1 m=31 s=36
